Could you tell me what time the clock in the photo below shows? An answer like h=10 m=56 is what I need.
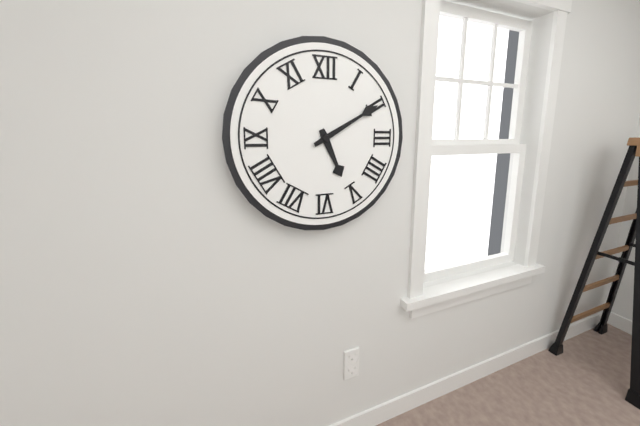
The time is h=5 m=10
